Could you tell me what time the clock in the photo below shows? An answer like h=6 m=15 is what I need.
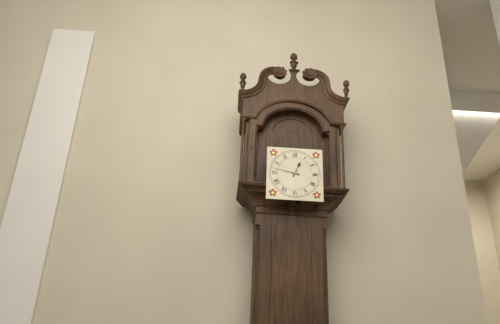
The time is h=12 m=47
